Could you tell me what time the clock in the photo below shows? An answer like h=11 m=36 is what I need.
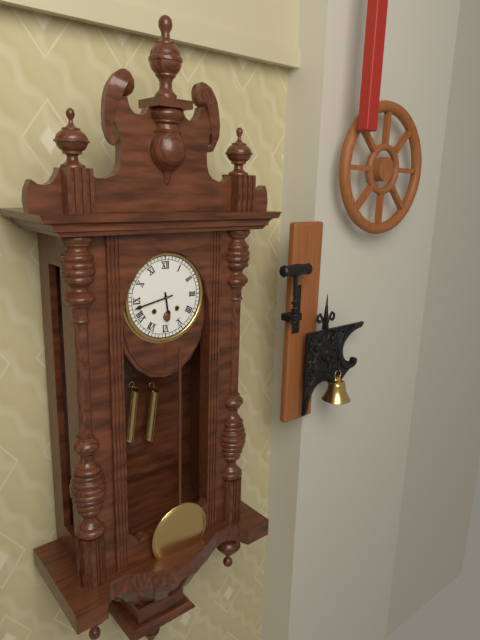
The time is h=5 m=43
